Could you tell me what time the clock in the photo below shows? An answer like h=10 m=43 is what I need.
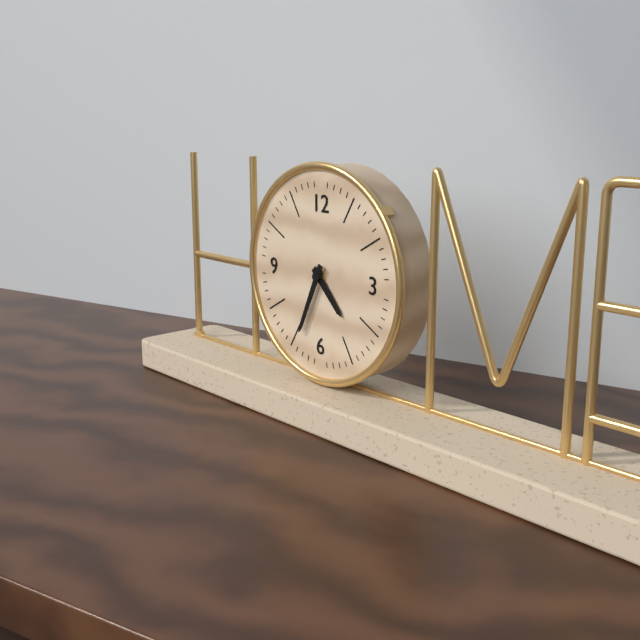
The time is h=4 m=34
